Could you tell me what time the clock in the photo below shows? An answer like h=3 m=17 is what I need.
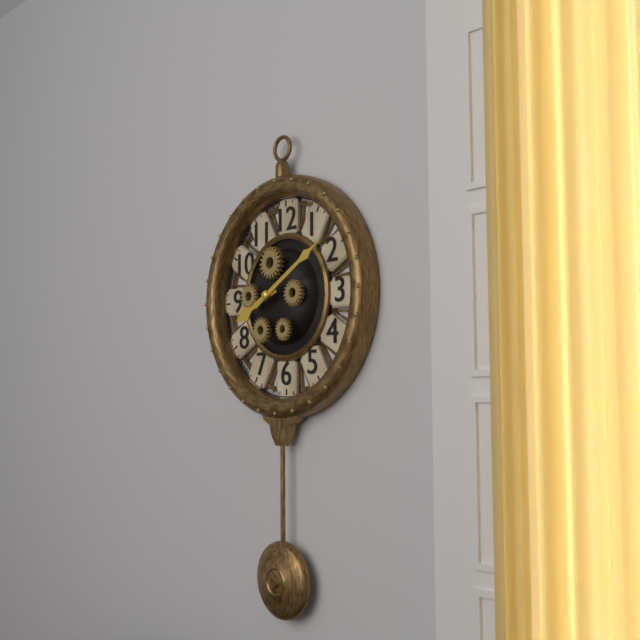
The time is h=8 m=10
